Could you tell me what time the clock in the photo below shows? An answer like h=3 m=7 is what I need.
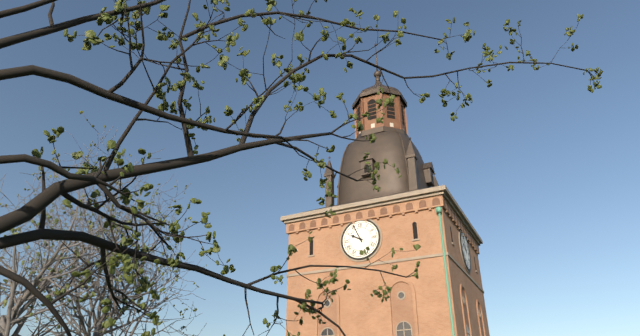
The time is h=9 m=56
